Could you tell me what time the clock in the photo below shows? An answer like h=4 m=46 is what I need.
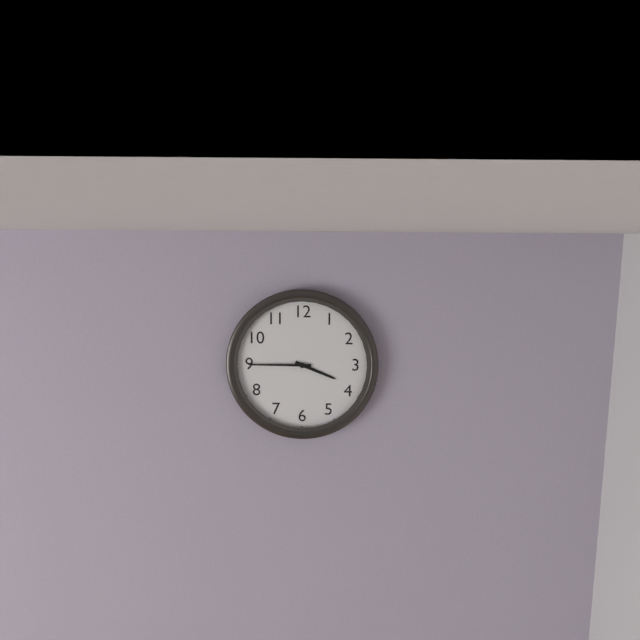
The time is h=3 m=45
